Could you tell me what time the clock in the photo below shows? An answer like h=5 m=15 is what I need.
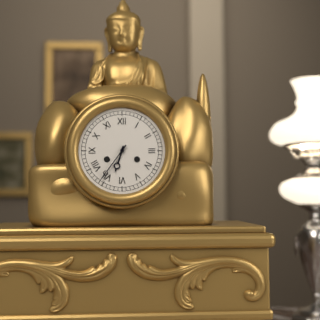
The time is h=6 m=36
